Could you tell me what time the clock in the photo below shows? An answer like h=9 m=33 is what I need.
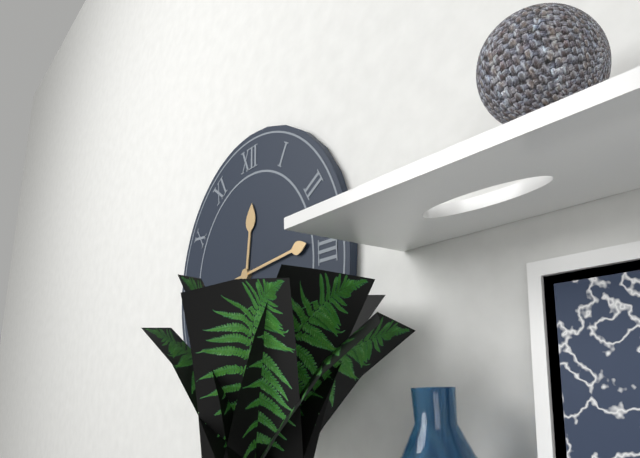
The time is h=12 m=14
